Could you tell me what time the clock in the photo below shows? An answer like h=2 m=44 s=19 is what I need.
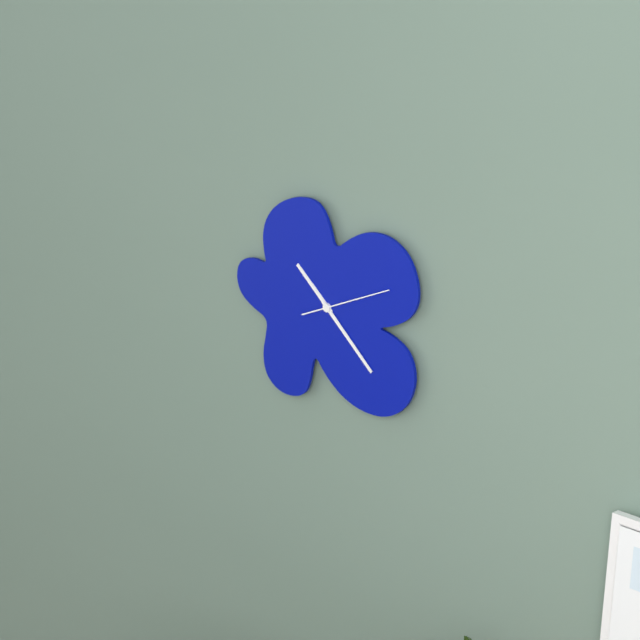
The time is h=10 m=22 s=11
